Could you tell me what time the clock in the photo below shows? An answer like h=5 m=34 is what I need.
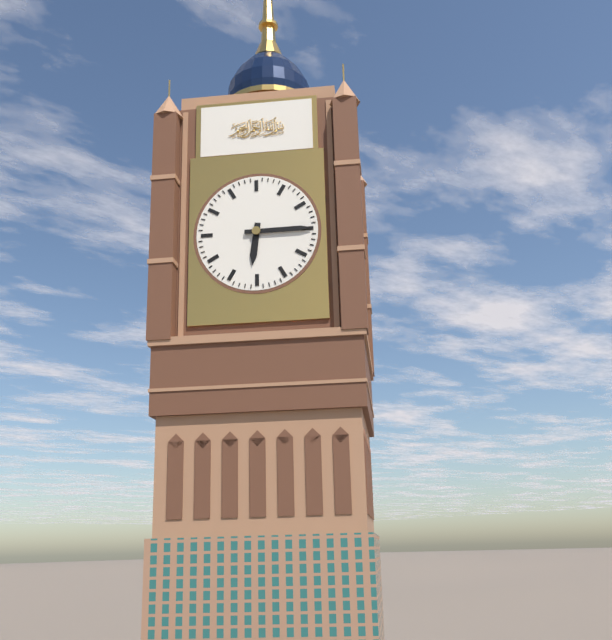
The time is h=6 m=15
